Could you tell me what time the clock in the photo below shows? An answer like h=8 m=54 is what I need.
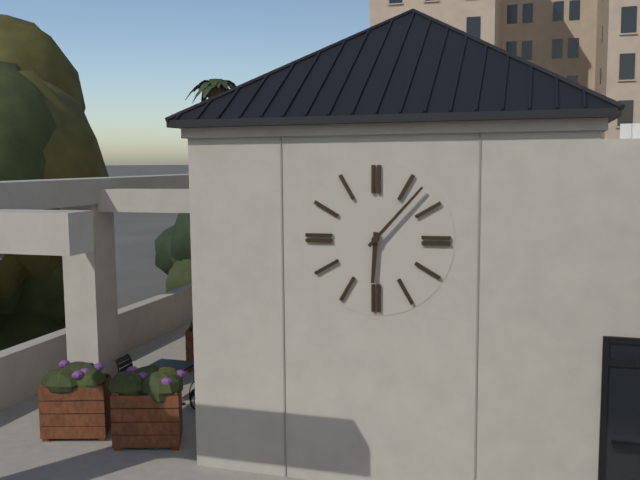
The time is h=6 m=7
